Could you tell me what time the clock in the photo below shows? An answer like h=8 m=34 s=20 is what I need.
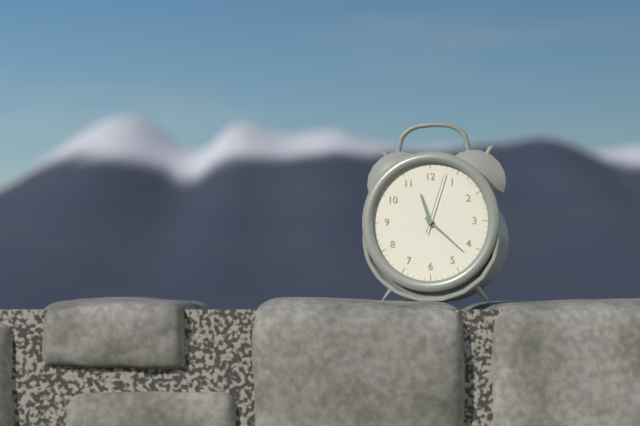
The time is h=11 m=22 s=3
